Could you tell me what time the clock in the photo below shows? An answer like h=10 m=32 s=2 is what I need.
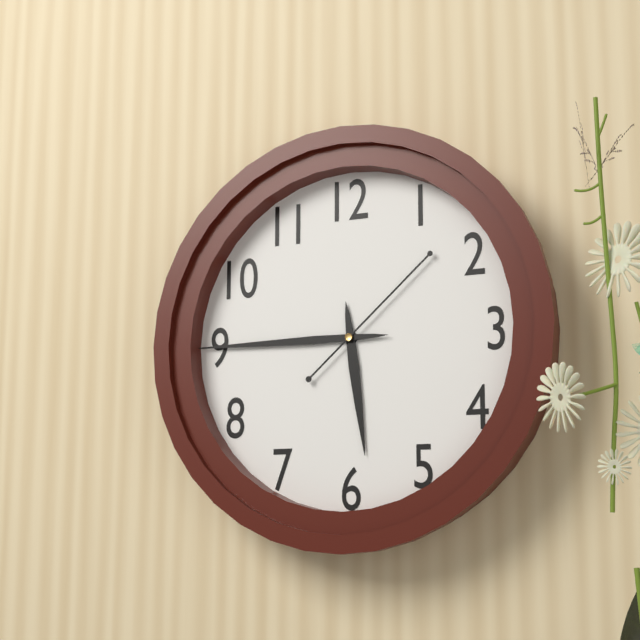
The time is h=5 m=45 s=8
